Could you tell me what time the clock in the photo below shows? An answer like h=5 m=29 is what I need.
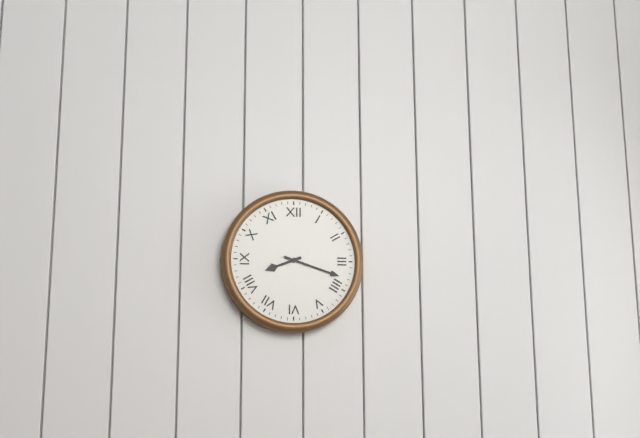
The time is h=8 m=18
